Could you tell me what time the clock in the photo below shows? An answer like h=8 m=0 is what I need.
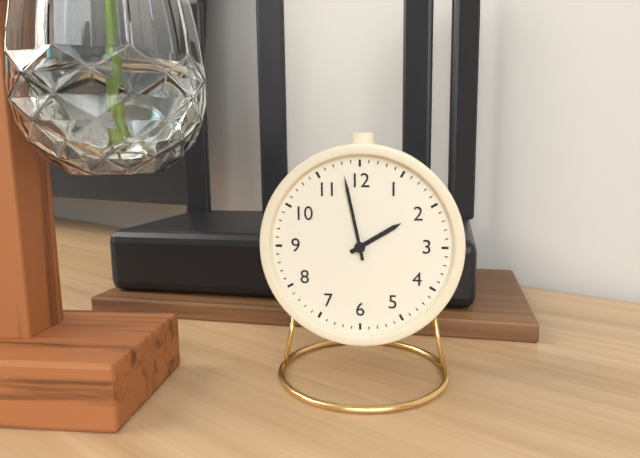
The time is h=1 m=58
